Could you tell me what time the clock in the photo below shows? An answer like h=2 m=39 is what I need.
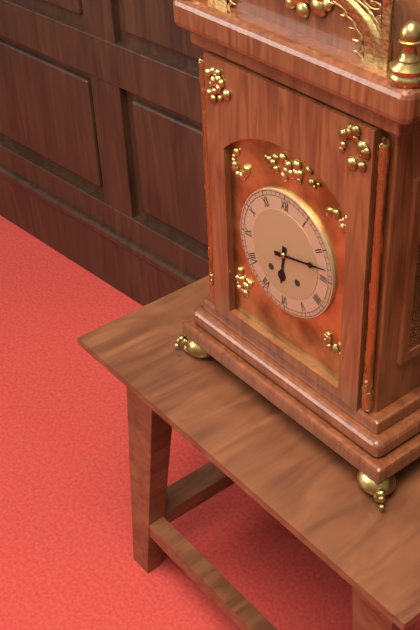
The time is h=6 m=13
